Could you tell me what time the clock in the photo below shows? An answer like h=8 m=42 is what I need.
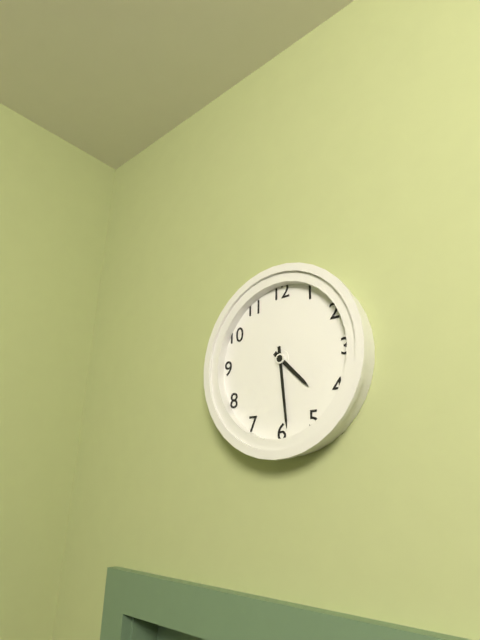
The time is h=4 m=29
